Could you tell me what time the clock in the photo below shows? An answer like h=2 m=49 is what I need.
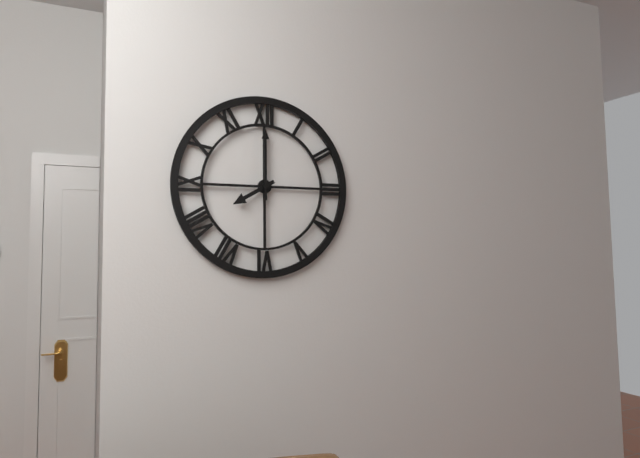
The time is h=8 m=0
